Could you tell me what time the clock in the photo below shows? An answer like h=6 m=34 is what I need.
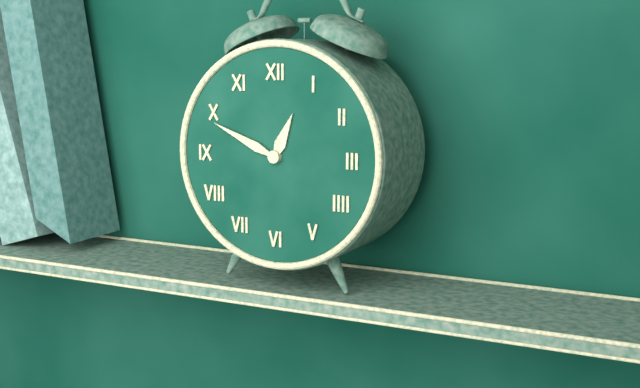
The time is h=12 m=49
